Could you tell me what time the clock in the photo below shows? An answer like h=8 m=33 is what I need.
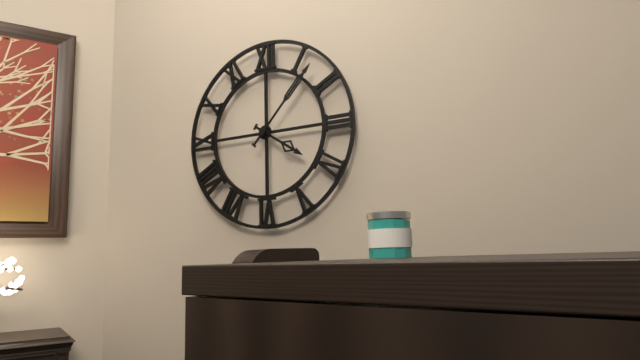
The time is h=4 m=7
